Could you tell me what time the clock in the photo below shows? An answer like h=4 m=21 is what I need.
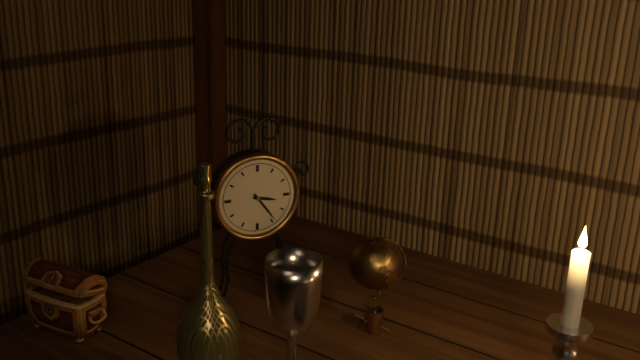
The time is h=3 m=24
